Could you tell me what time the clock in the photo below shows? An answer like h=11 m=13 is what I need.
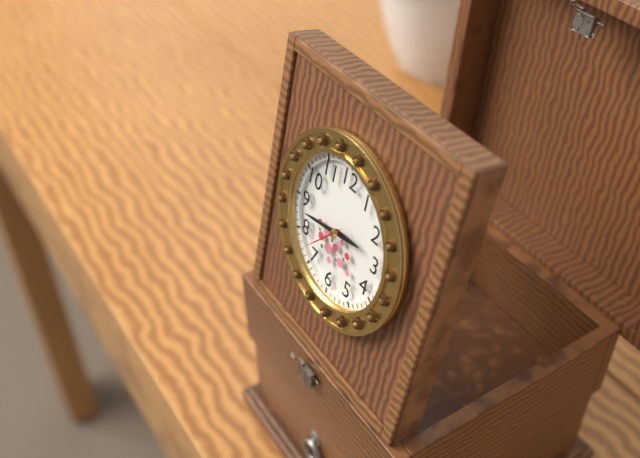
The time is h=2 m=43
